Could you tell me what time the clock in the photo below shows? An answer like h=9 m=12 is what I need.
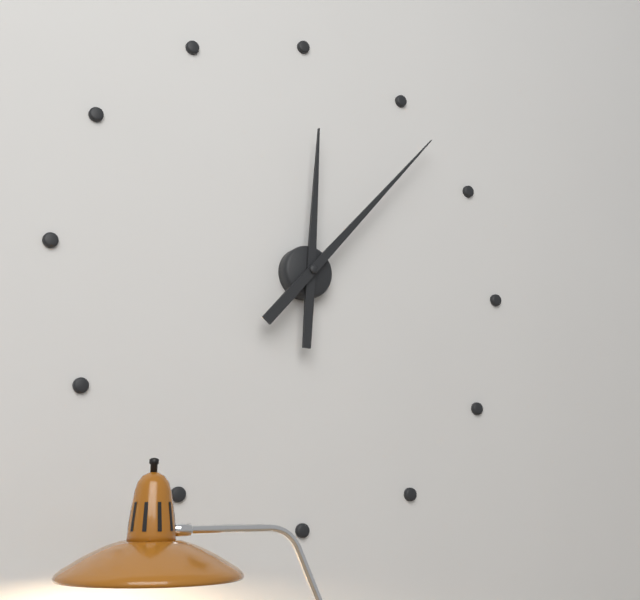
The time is h=12 m=7
